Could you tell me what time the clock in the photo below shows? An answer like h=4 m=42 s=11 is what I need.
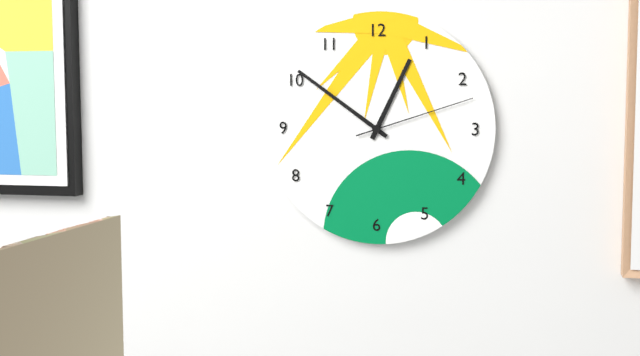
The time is h=12 m=51 s=12
